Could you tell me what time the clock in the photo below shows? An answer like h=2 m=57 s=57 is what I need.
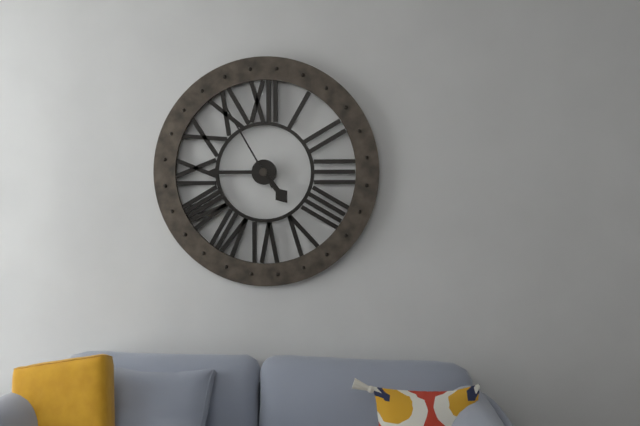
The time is h=4 m=45 s=55
